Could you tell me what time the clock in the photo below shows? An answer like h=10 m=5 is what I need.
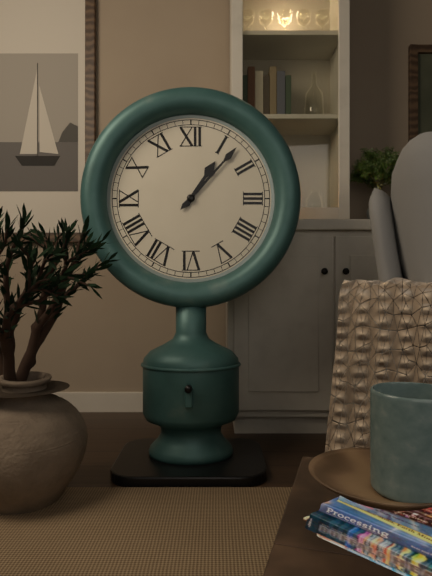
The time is h=1 m=7
